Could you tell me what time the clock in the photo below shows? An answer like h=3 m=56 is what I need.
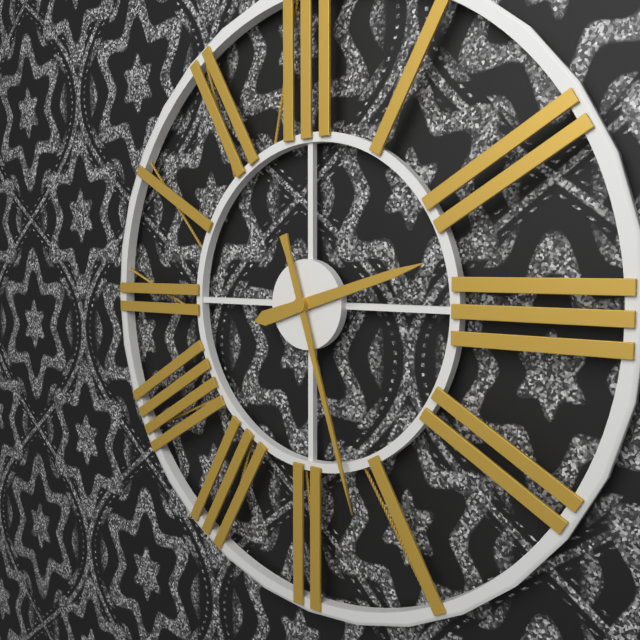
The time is h=2 m=27
